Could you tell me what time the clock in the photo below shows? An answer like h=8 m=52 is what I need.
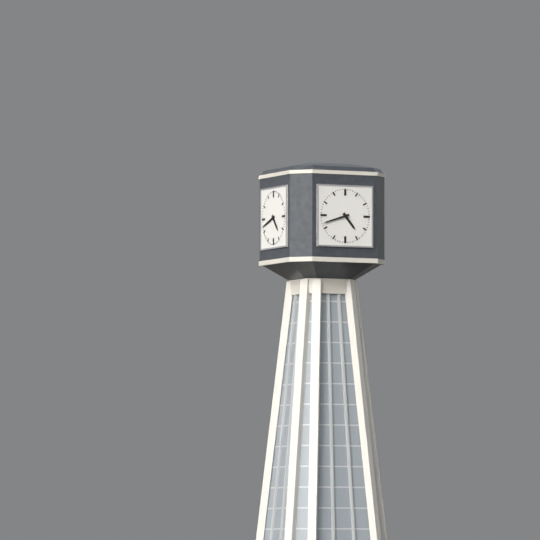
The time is h=4 m=42
